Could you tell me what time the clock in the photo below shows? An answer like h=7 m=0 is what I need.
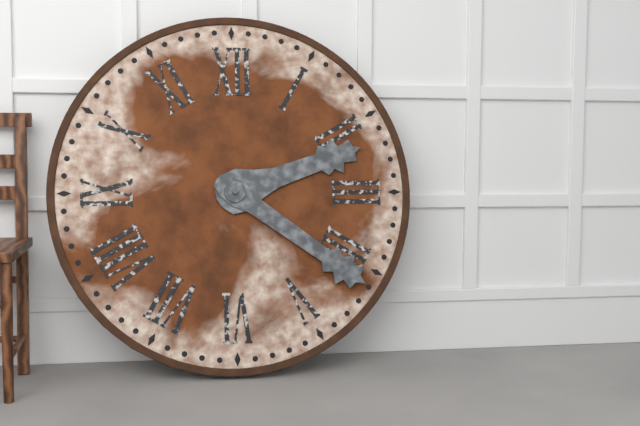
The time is h=2 m=21
